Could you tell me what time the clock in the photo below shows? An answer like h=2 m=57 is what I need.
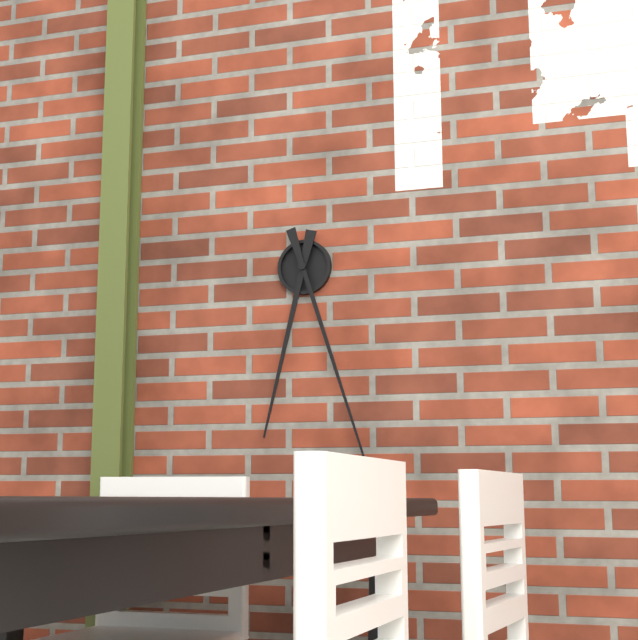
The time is h=6 m=27
